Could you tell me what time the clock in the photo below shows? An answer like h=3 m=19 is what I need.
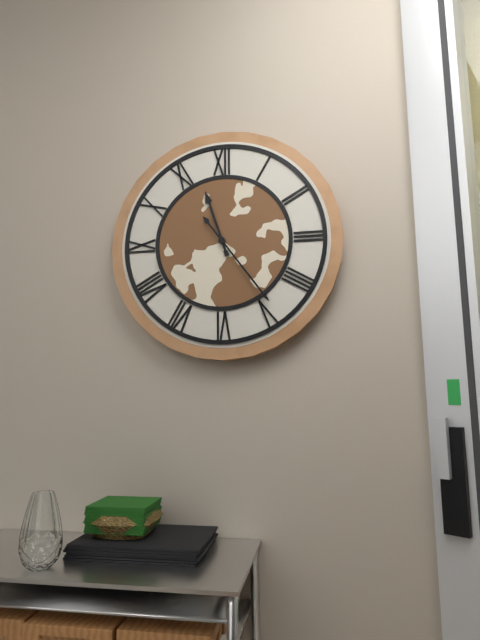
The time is h=11 m=24
